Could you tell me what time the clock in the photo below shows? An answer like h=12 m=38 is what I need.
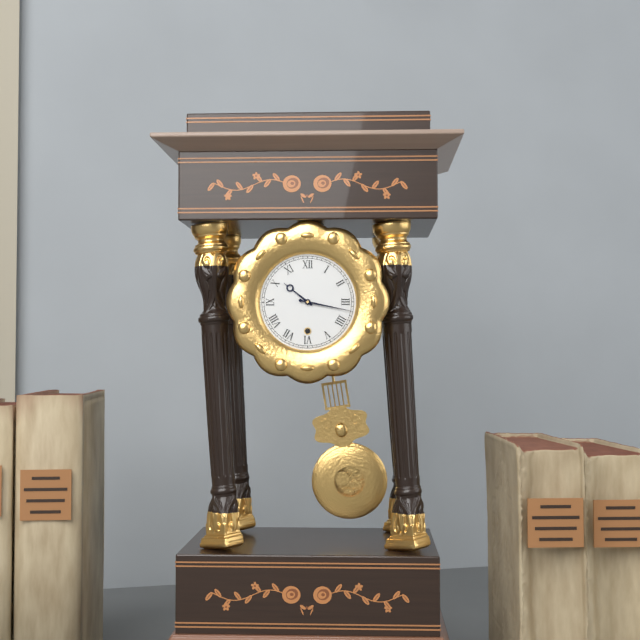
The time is h=10 m=17
